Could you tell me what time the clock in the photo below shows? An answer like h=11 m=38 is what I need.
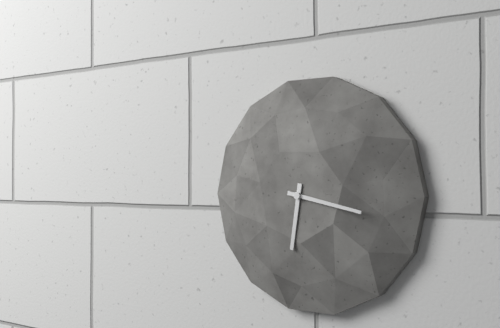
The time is h=6 m=17
